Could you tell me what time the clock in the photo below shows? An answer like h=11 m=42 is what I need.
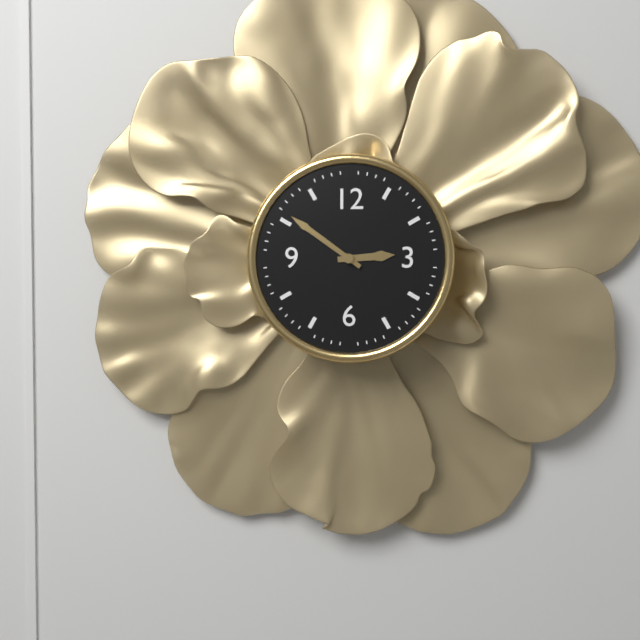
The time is h=2 m=51
